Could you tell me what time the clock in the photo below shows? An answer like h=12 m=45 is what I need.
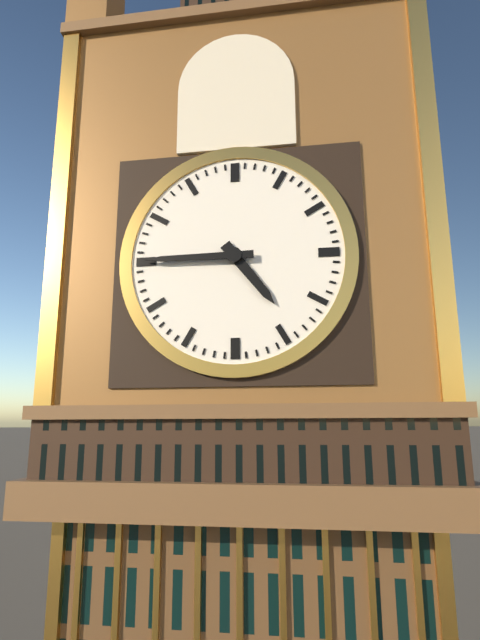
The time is h=4 m=45
